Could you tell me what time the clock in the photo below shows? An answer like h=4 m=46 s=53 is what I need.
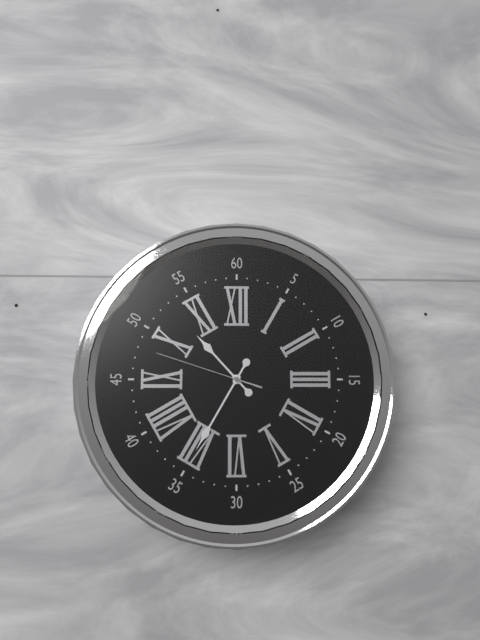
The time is h=10 m=35 s=48
